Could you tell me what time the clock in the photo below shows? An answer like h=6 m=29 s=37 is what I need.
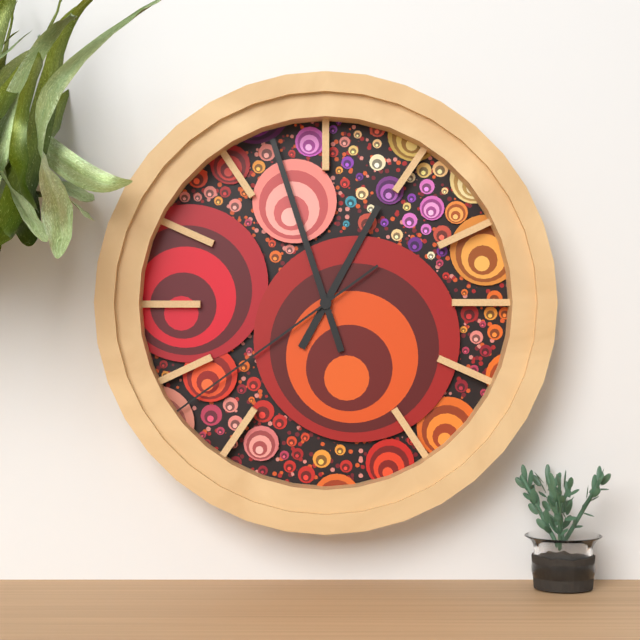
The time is h=12 m=57 s=39
